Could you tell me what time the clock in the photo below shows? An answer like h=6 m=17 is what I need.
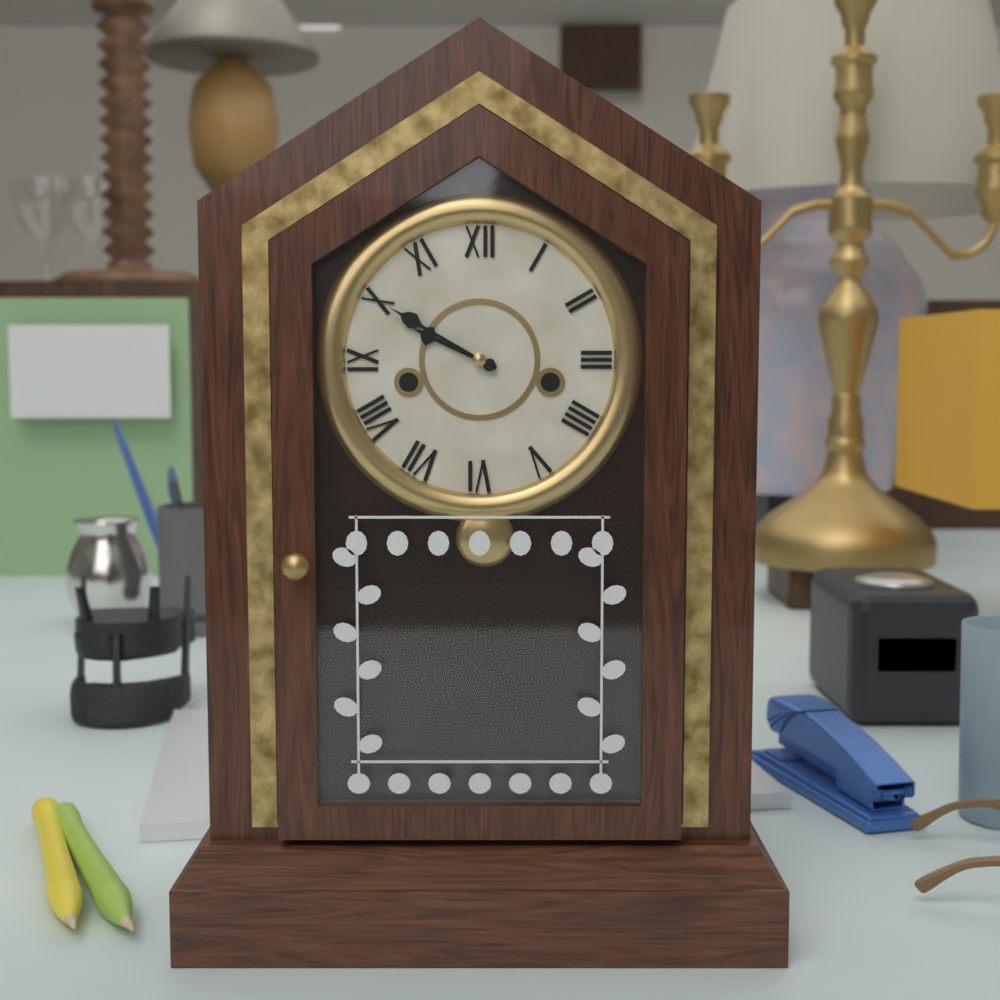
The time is h=9 m=50
